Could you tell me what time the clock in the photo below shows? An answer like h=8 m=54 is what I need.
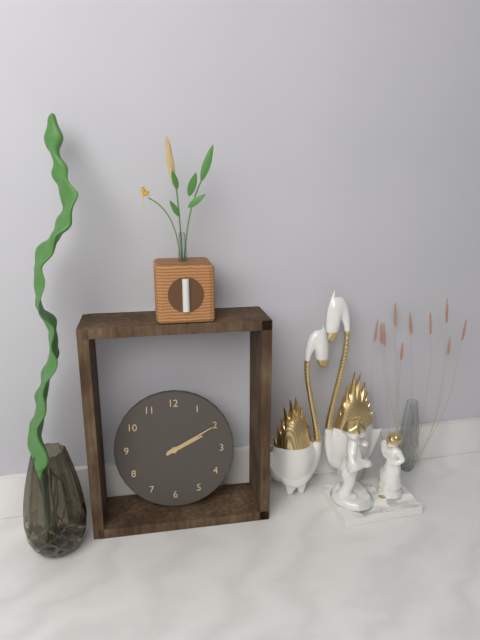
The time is h=2 m=10
